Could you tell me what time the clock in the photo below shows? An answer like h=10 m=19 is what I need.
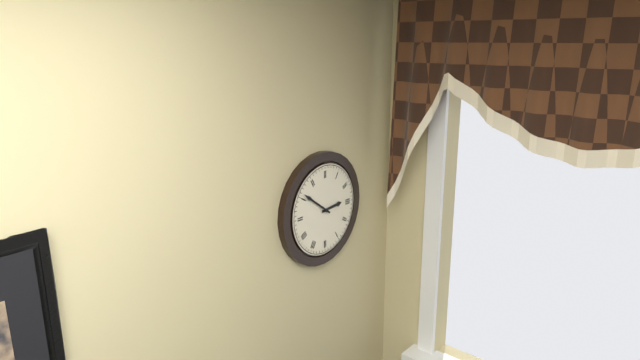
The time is h=2 m=51
